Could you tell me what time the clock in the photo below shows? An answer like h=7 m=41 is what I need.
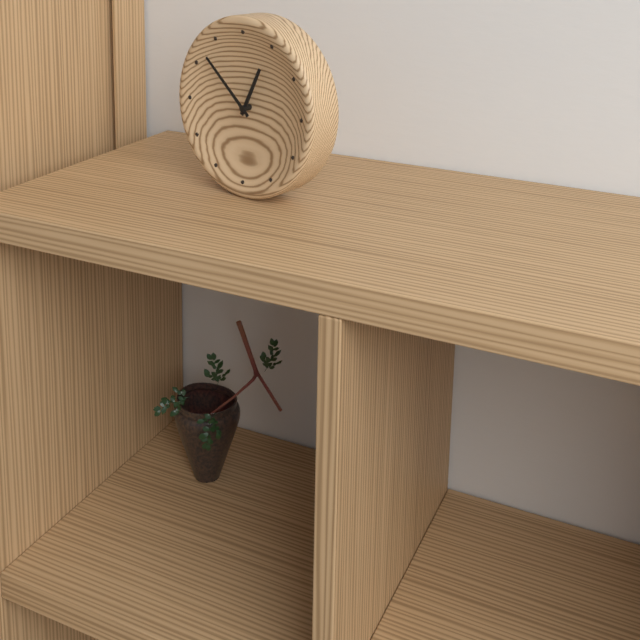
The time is h=12 m=52
